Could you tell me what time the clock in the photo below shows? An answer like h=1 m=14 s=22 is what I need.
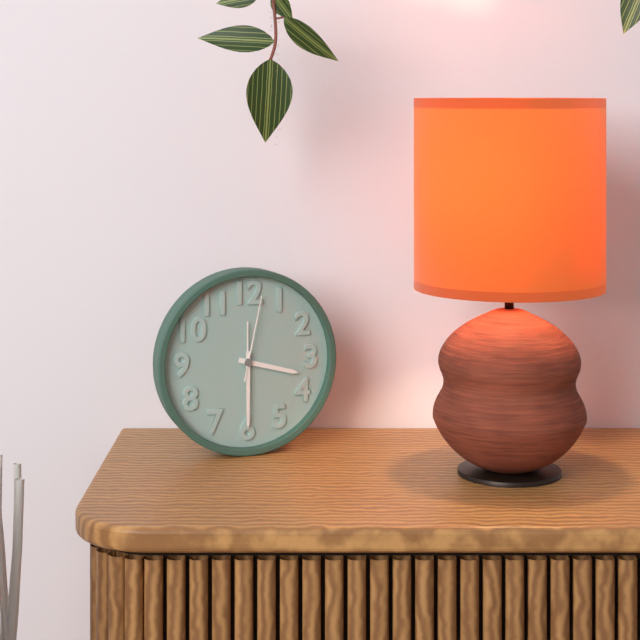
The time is h=3 m=30 s=2
